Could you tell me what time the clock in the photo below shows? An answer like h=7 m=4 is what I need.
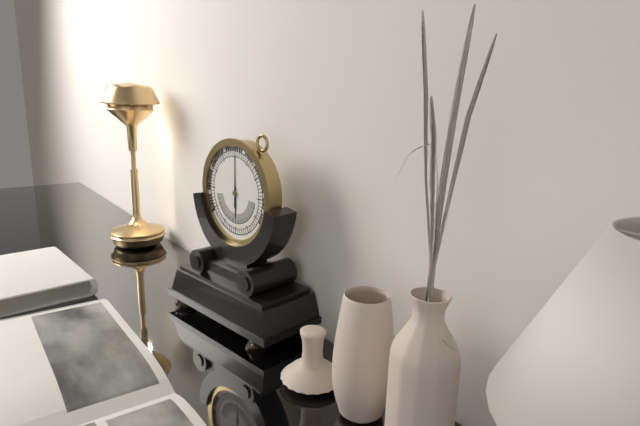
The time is h=6 m=0
